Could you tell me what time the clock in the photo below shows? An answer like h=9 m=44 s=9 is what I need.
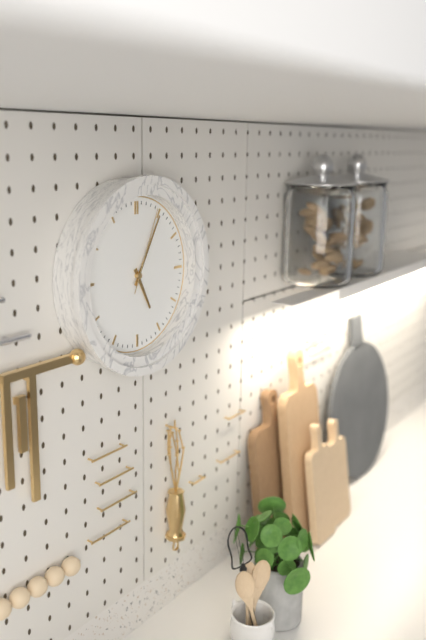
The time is h=5 m=5 s=4
